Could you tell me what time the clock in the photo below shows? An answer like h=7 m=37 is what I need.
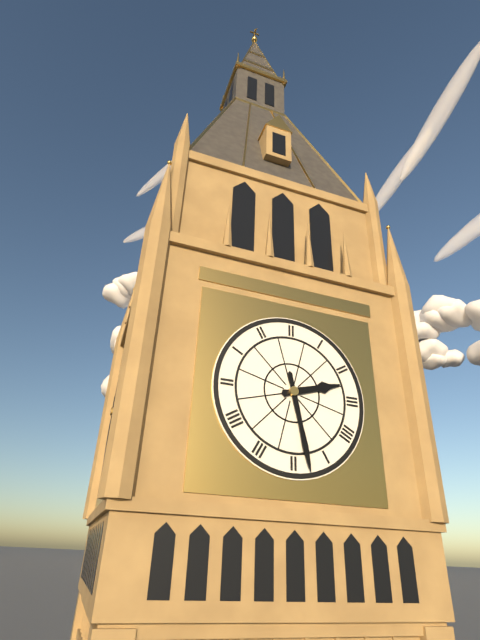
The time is h=2 m=28
